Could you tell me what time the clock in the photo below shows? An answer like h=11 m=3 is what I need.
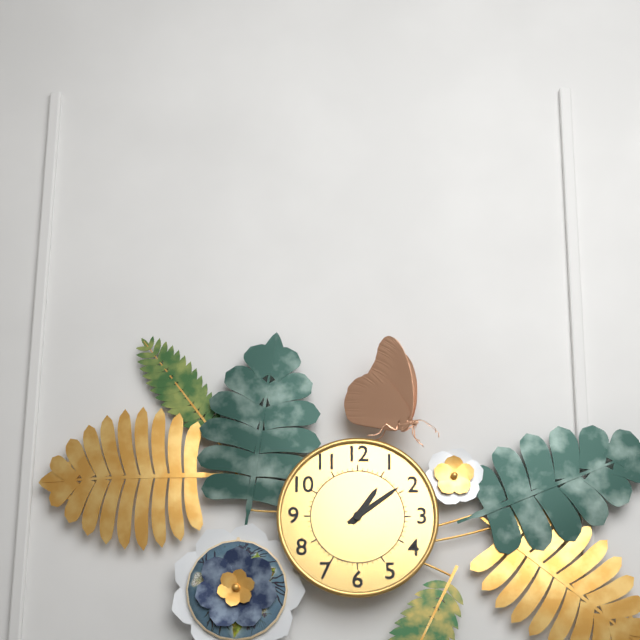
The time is h=1 m=9
